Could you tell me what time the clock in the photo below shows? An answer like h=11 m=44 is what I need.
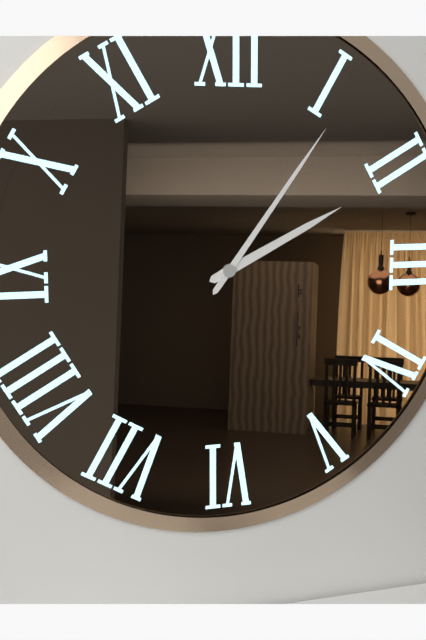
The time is h=2 m=6
